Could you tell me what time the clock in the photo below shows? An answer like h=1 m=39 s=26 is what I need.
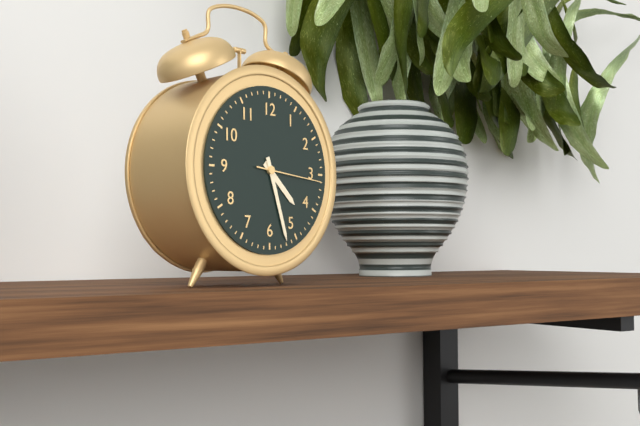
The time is h=4 m=27 s=16
